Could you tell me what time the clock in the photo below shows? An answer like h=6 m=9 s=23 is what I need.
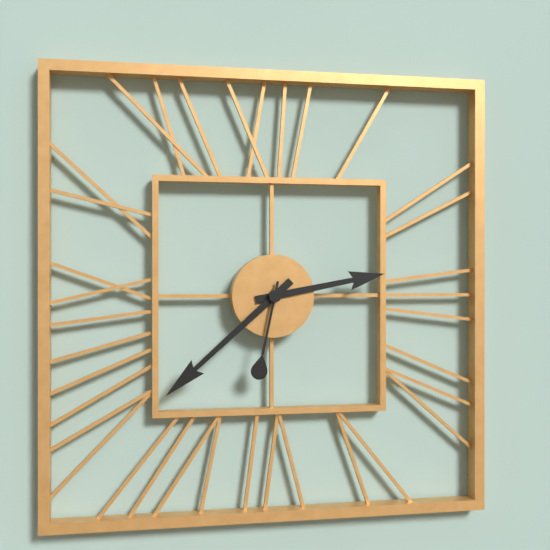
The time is h=2 m=38 s=32
